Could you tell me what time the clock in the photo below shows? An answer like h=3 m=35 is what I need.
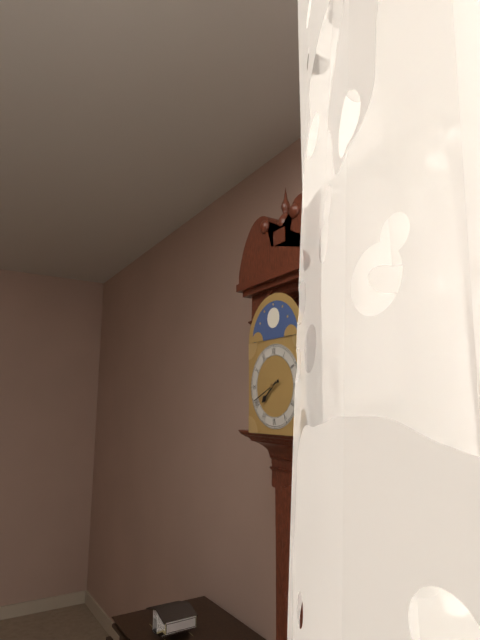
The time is h=7 m=41
